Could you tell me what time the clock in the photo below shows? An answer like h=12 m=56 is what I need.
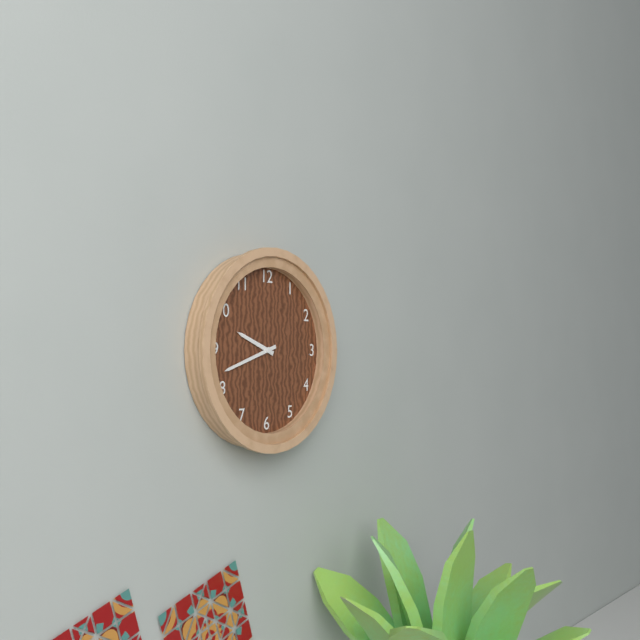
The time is h=9 m=42
